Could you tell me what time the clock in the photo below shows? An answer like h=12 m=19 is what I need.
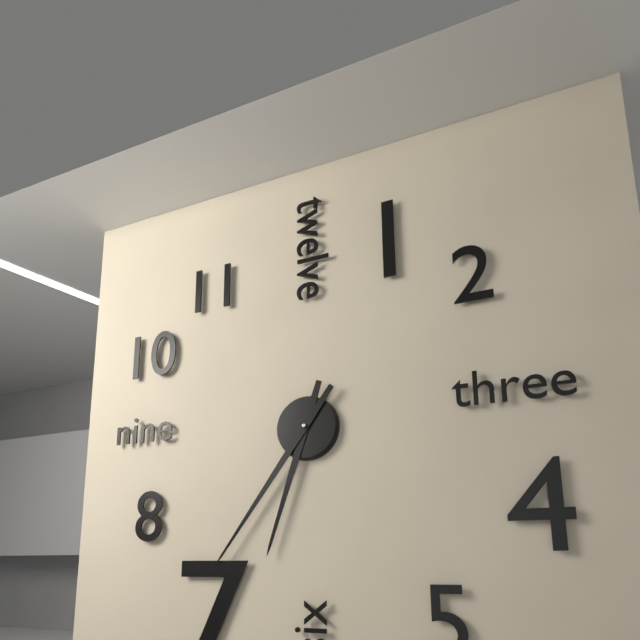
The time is h=6 m=36
